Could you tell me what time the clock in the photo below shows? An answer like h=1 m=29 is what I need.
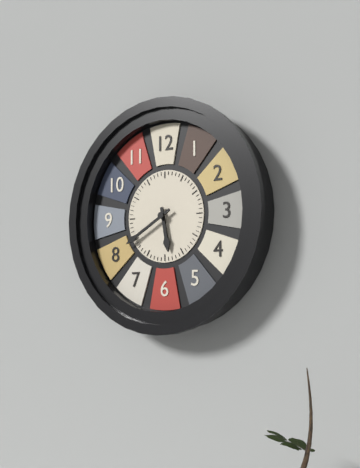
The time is h=5 m=40
